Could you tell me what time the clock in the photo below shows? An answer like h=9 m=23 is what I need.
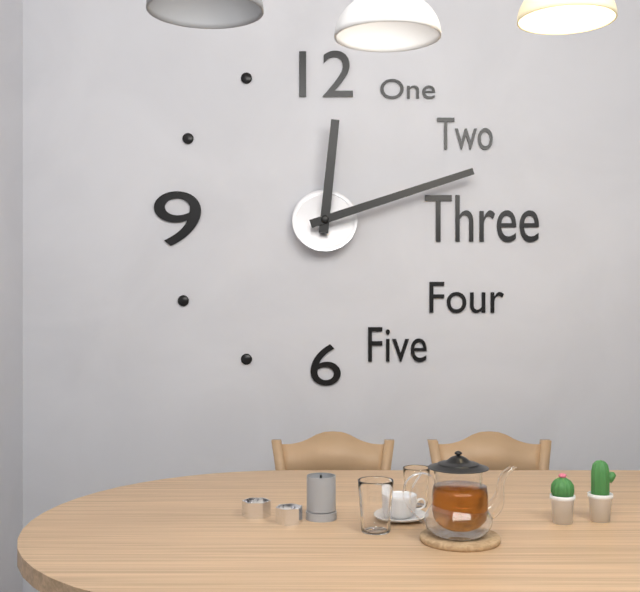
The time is h=12 m=12
